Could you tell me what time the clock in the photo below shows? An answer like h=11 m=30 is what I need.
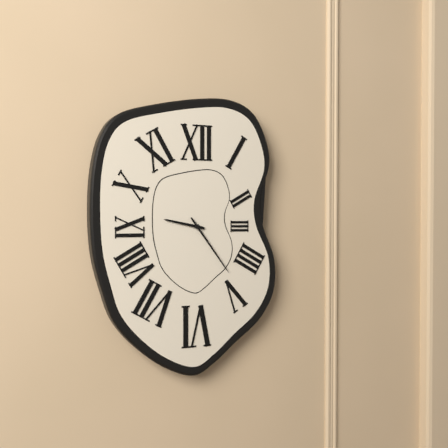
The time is h=9 m=24
